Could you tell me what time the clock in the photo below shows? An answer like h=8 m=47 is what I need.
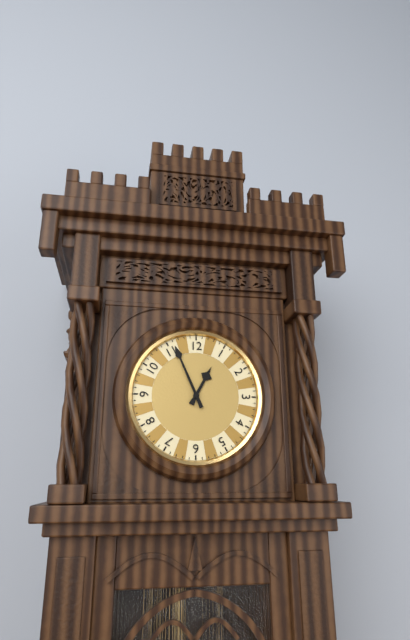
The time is h=12 m=56
